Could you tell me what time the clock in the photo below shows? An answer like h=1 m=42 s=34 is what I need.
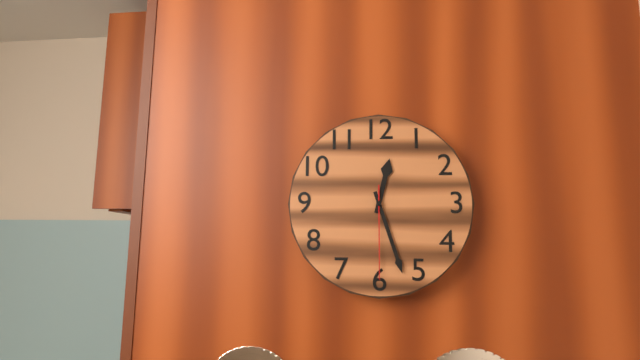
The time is h=12 m=27 s=30
